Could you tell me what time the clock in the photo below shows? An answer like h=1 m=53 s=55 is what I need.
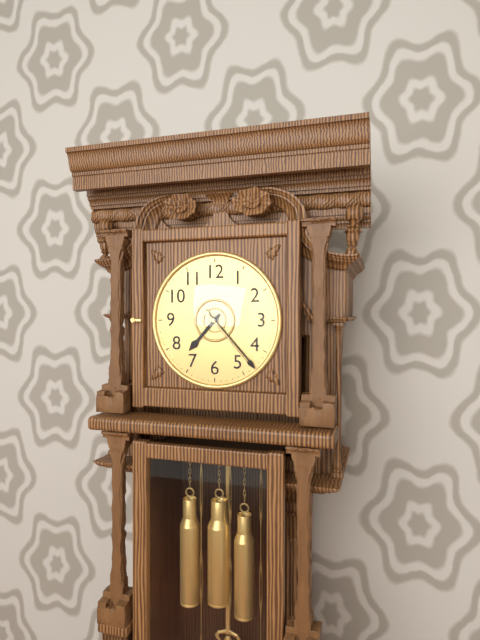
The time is h=7 m=23 s=23
